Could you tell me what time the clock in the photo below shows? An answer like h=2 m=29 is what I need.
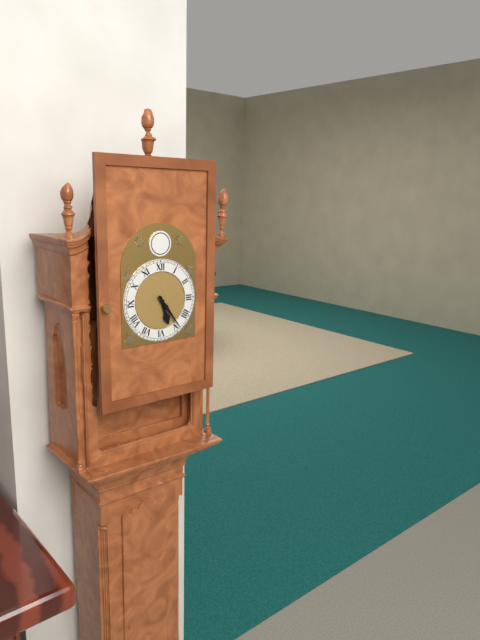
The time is h=5 m=24
